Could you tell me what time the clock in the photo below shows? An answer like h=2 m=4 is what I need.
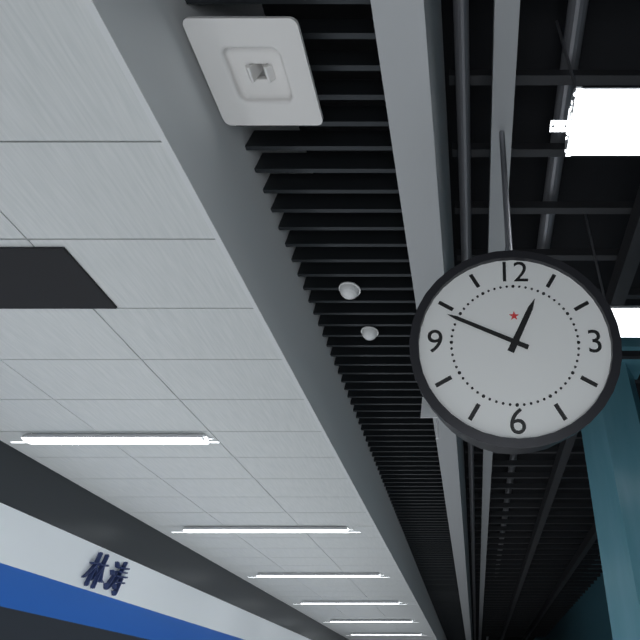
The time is h=12 m=49
